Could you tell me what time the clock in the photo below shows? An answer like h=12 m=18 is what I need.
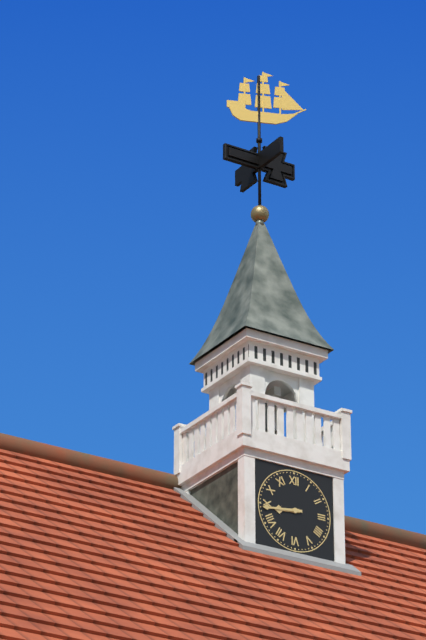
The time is h=8 m=44
